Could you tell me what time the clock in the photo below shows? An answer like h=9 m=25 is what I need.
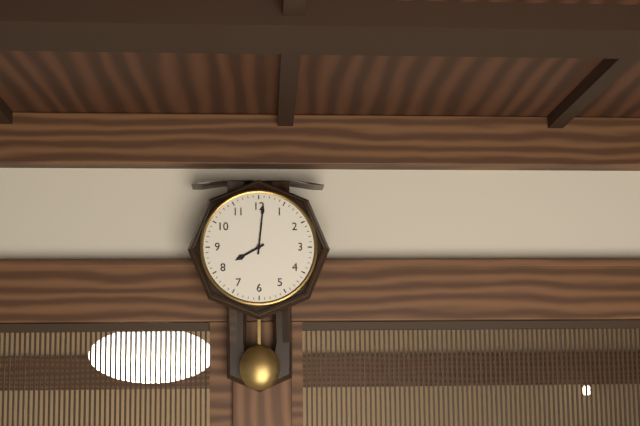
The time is h=8 m=1
